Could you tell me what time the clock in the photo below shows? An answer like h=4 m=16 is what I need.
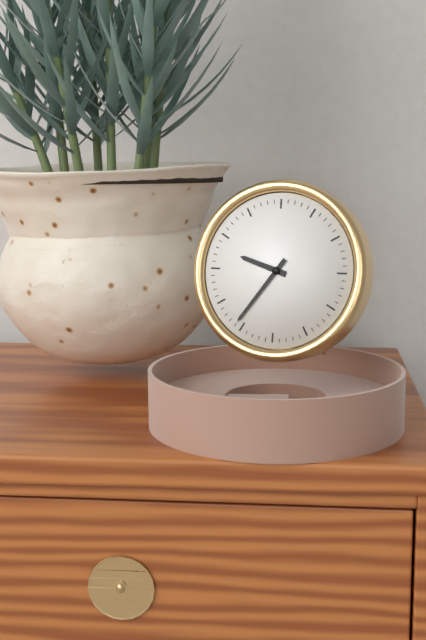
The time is h=9 m=36
